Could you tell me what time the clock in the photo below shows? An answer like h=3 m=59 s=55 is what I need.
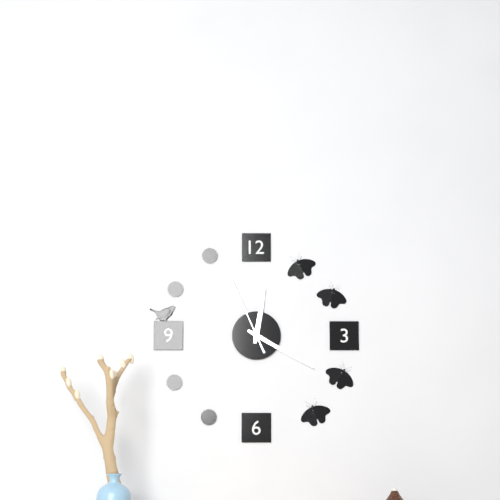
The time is h=12 m=20 s=56
